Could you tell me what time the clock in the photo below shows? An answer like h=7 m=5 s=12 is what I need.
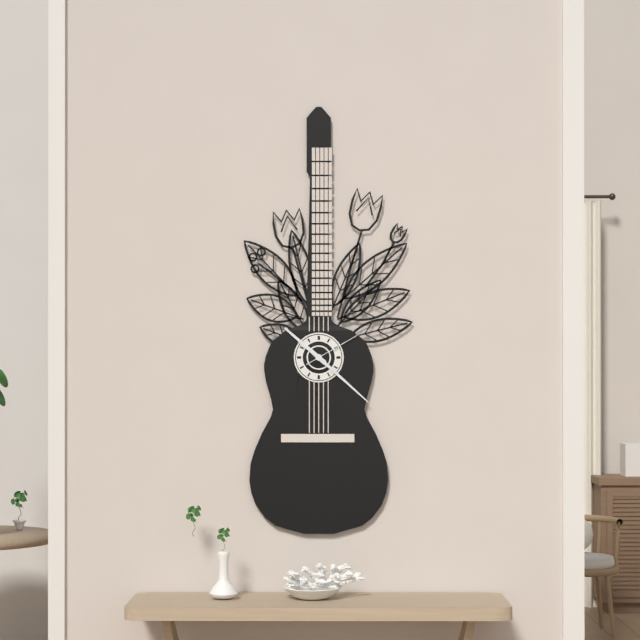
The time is h=10 m=22 s=10
